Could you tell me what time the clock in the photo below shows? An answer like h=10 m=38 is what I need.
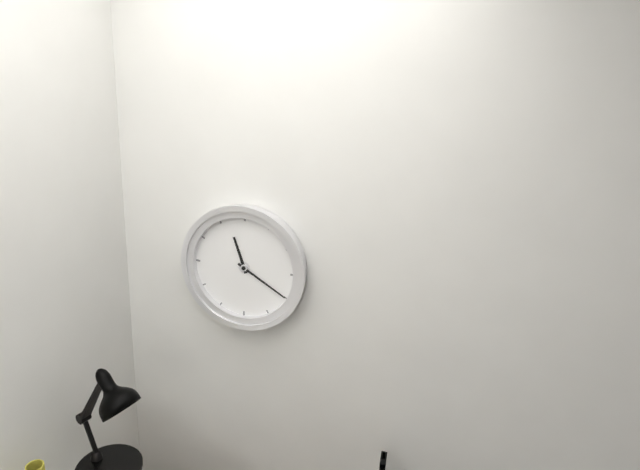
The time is h=11 m=20
